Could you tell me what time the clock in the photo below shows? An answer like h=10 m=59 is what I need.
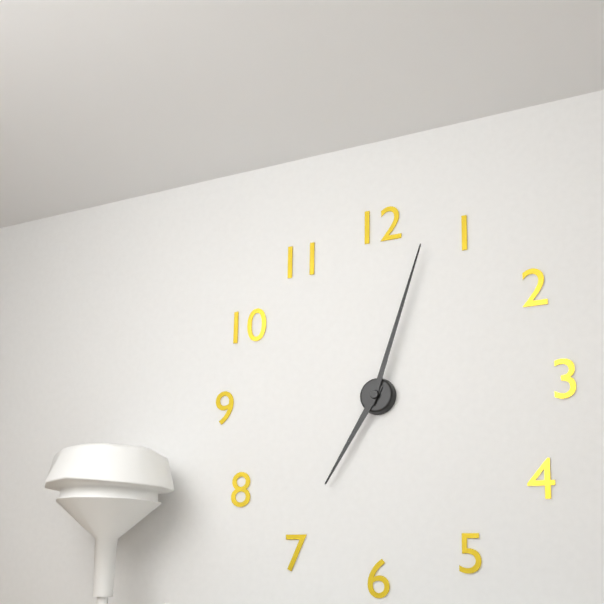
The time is h=7 m=3
